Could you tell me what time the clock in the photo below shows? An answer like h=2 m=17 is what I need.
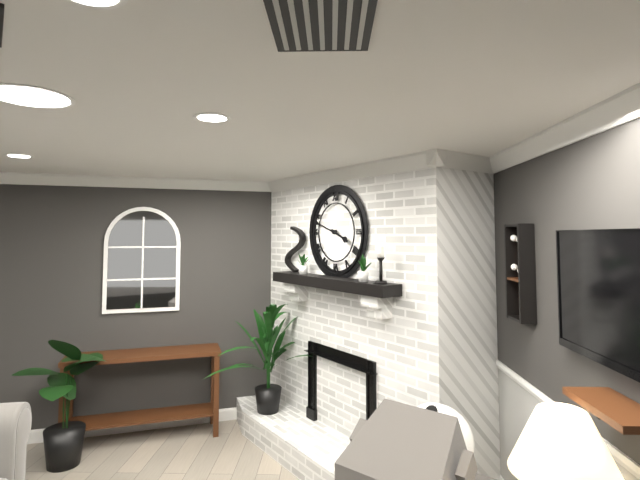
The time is h=3 m=48
